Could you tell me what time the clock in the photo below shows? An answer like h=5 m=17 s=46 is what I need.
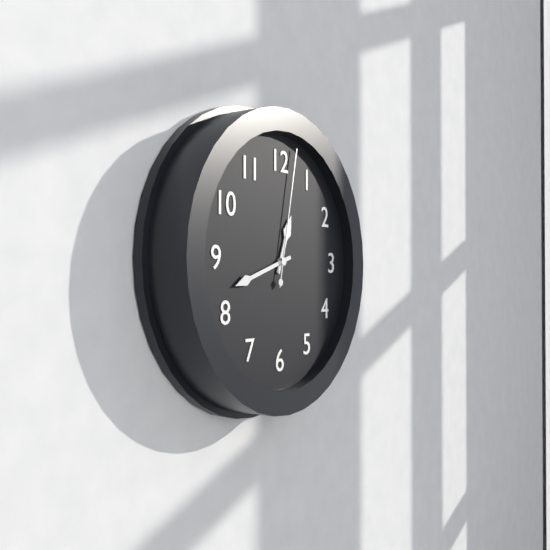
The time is h=12 m=42 s=2
